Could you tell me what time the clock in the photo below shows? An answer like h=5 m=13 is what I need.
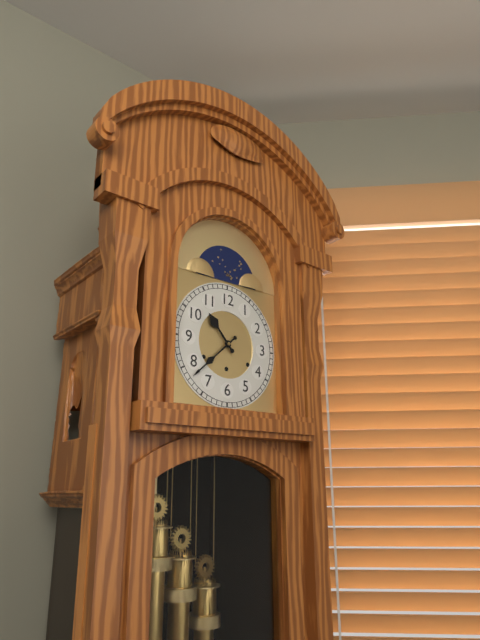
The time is h=10 m=38
